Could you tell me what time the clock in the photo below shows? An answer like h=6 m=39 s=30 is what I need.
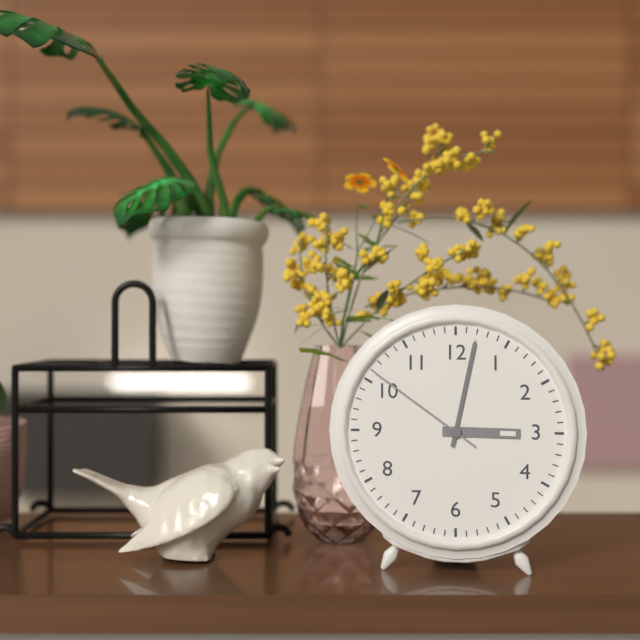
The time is h=3 m=2 s=51
